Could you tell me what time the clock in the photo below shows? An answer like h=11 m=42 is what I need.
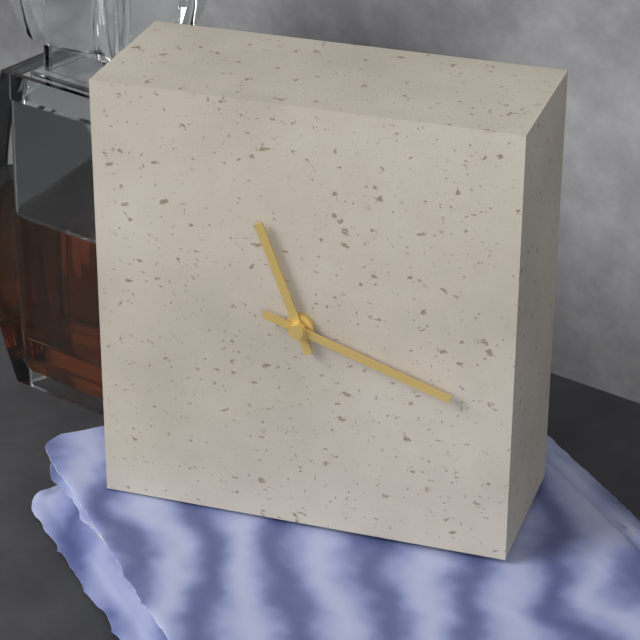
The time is h=11 m=18
